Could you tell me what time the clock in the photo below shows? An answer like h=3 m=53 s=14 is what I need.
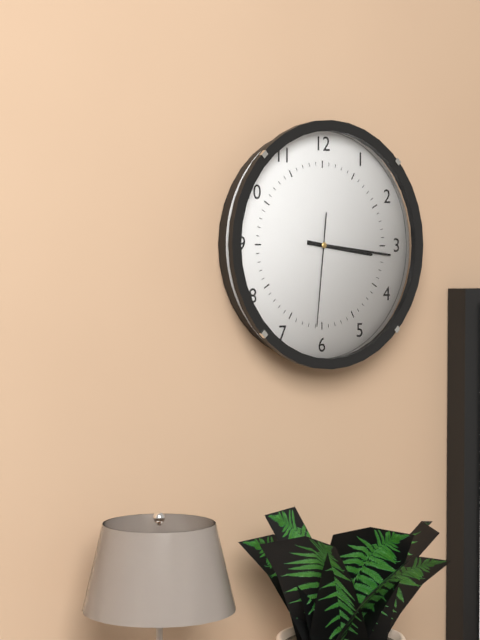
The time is h=3 m=16 s=31
